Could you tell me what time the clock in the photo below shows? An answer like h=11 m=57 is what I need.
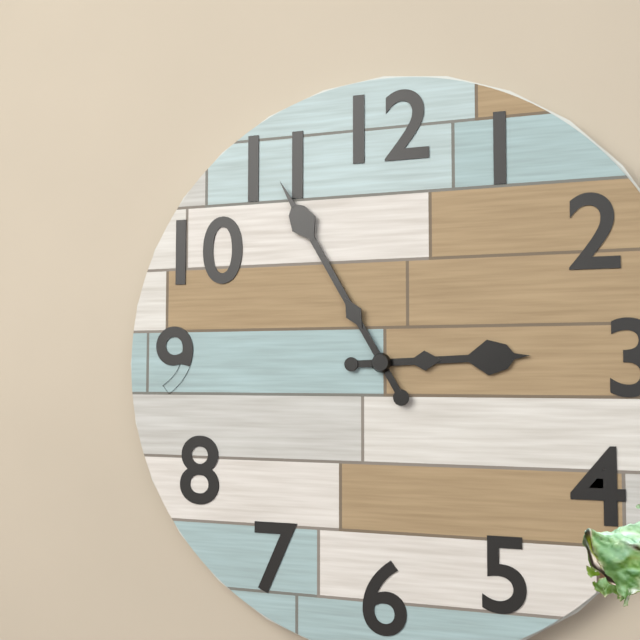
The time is h=2 m=55
